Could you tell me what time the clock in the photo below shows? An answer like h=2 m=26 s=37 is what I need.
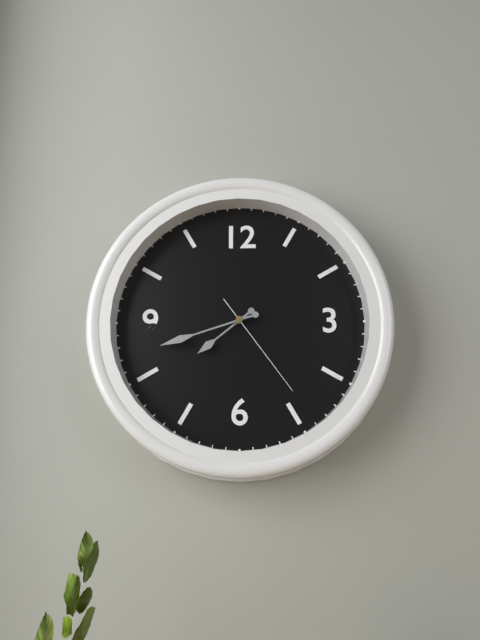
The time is h=7 m=42 s=24
